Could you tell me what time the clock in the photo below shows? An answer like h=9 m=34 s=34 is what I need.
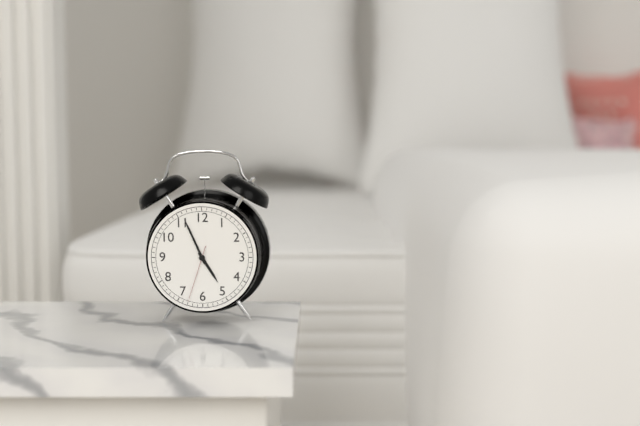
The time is h=4 m=56 s=33
